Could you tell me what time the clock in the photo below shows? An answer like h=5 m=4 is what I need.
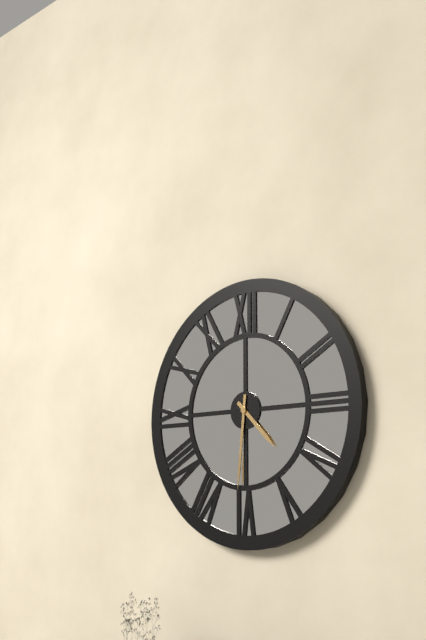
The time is h=4 m=31
